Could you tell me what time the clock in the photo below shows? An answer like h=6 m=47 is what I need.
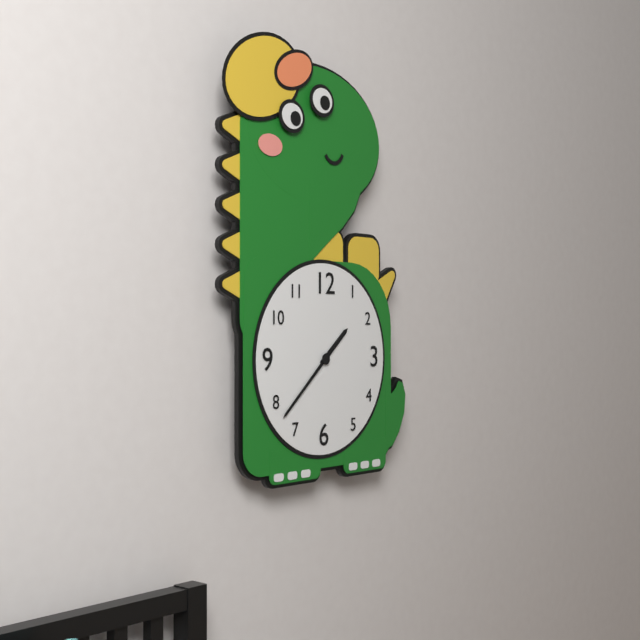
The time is h=1 m=38
